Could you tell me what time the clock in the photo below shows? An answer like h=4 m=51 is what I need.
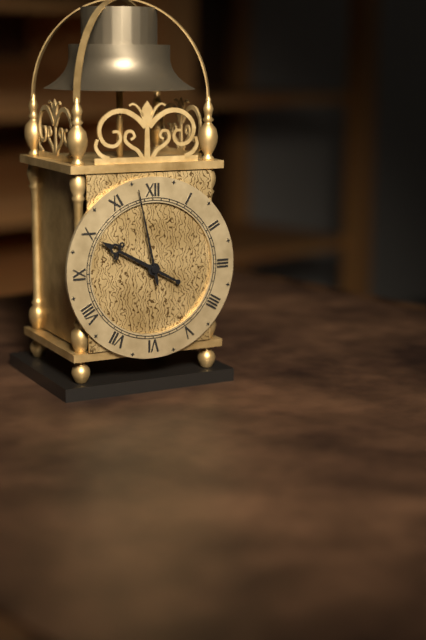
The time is h=9 m=58
